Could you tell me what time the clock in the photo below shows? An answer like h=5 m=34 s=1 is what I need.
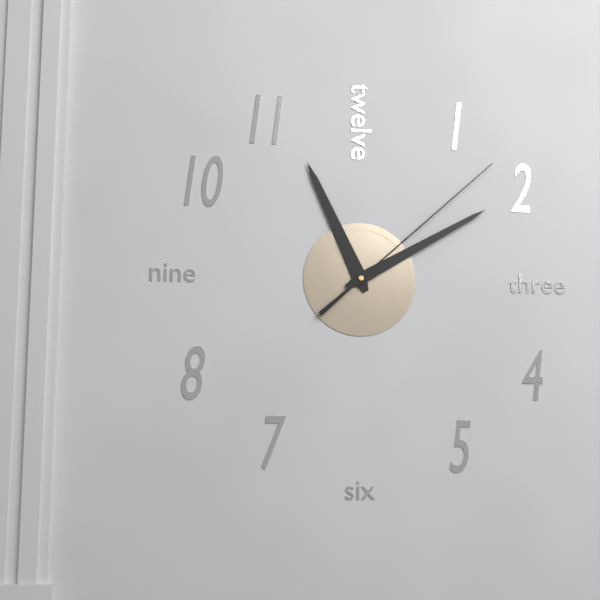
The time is h=11 m=10 s=8
